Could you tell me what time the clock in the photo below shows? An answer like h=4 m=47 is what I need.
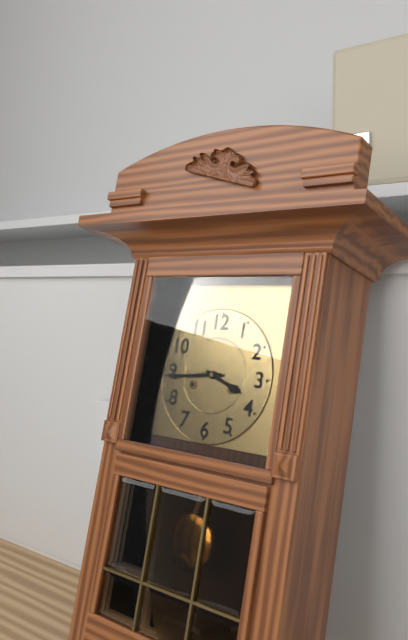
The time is h=3 m=44
